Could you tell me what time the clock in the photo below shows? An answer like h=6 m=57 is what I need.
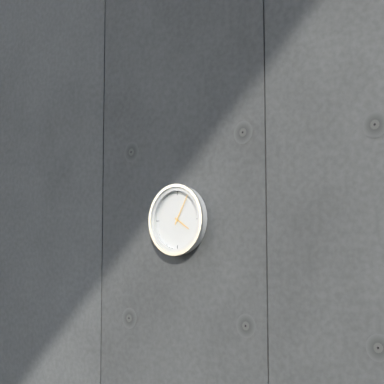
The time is h=4 m=5
